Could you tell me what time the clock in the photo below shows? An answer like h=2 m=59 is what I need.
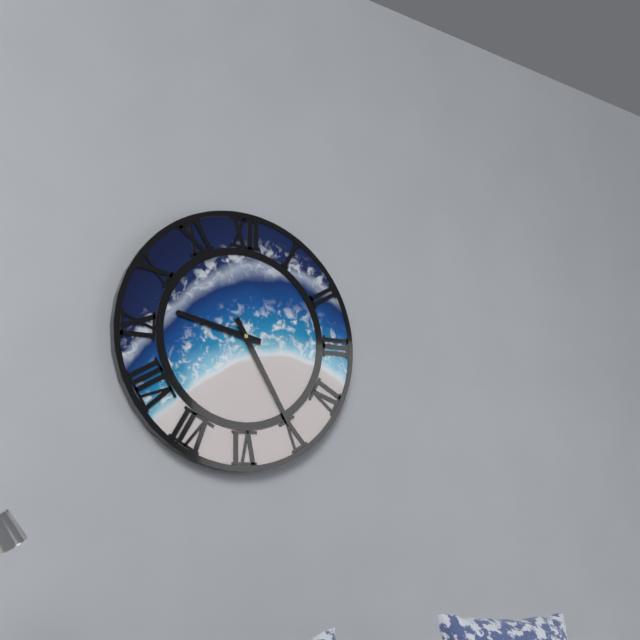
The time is h=9 m=25
